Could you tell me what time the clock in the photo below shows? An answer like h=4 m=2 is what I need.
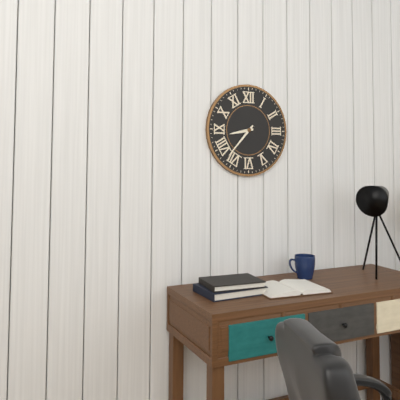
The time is h=8 m=37
